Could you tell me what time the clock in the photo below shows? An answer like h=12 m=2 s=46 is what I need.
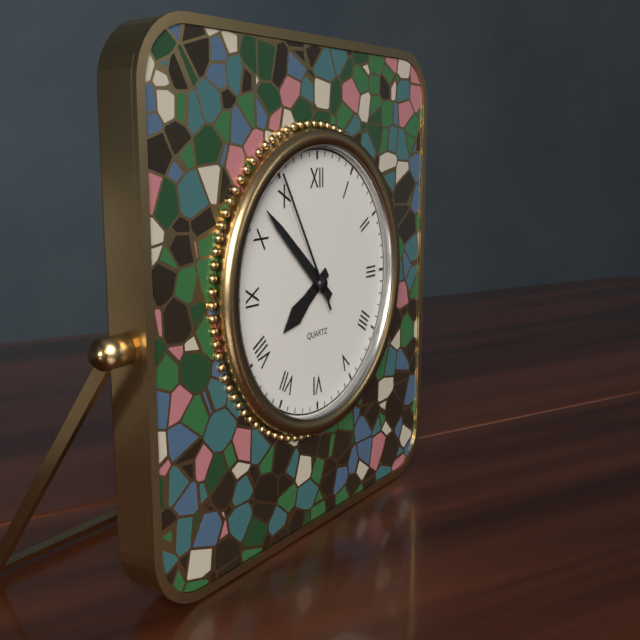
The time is h=7 m=52 s=55
